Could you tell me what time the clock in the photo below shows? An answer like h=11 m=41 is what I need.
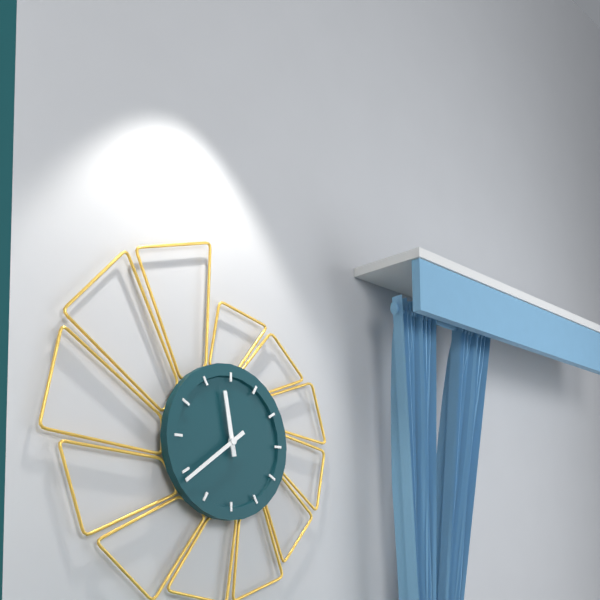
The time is h=11 m=39
